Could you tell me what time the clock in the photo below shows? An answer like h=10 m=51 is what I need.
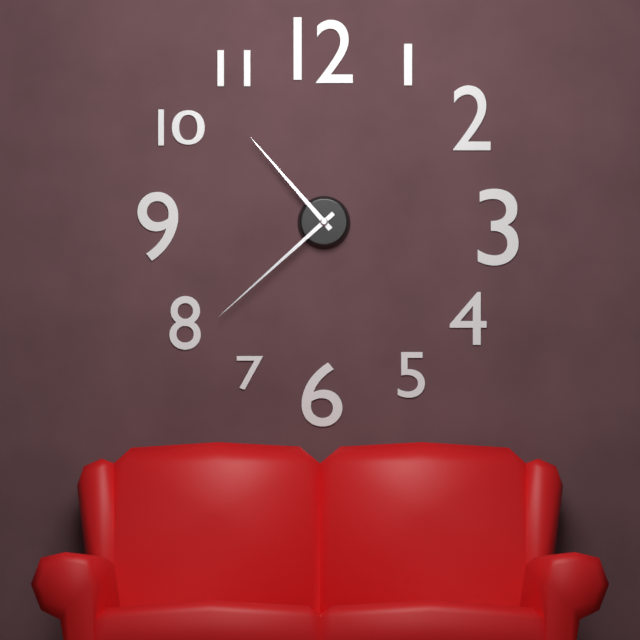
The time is h=10 m=38
